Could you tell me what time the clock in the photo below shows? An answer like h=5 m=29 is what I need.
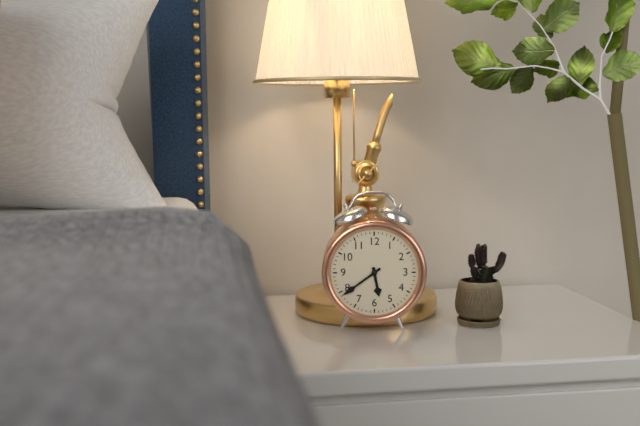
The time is h=5 m=39
